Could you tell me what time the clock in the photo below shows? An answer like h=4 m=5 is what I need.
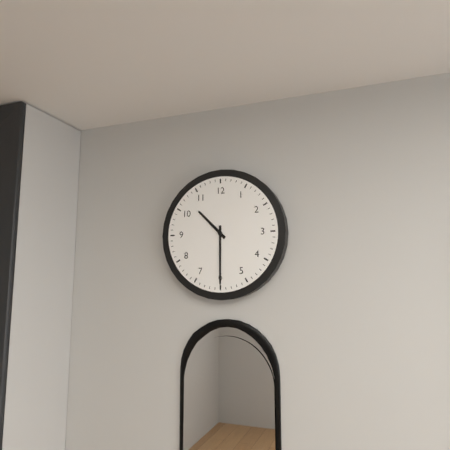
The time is h=10 m=30
